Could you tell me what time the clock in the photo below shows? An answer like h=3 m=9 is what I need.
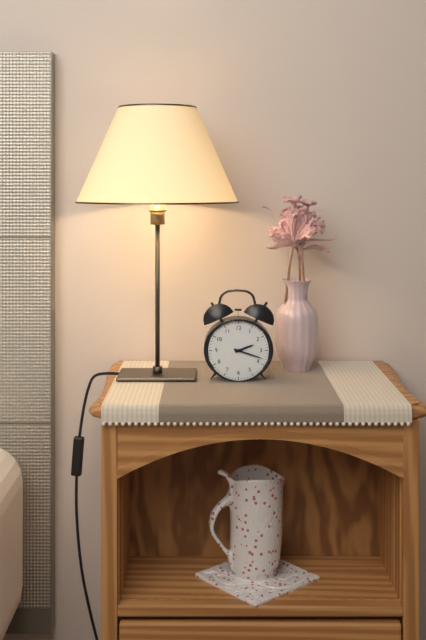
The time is h=2 m=18
